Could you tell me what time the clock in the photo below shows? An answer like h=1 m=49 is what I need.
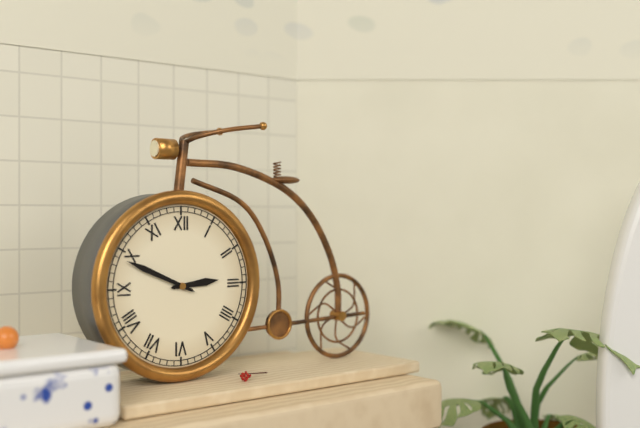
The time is h=2 m=49
